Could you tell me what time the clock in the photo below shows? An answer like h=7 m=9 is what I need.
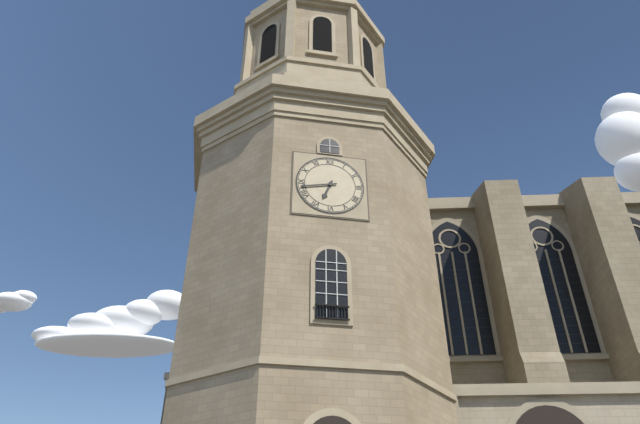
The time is h=6 m=43
